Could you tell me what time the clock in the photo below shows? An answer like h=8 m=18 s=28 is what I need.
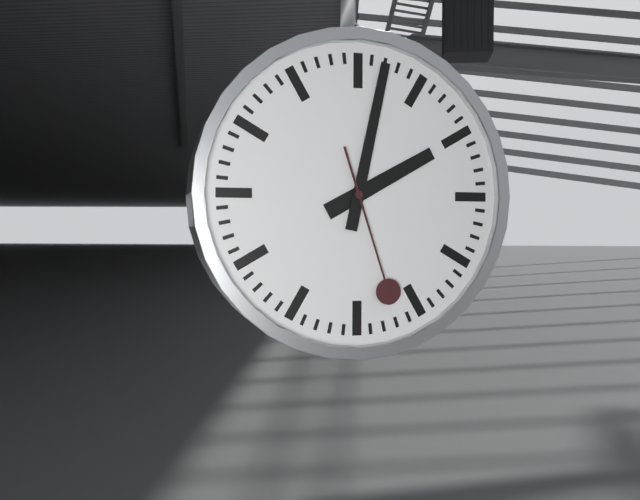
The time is h=2 m=2 s=27
